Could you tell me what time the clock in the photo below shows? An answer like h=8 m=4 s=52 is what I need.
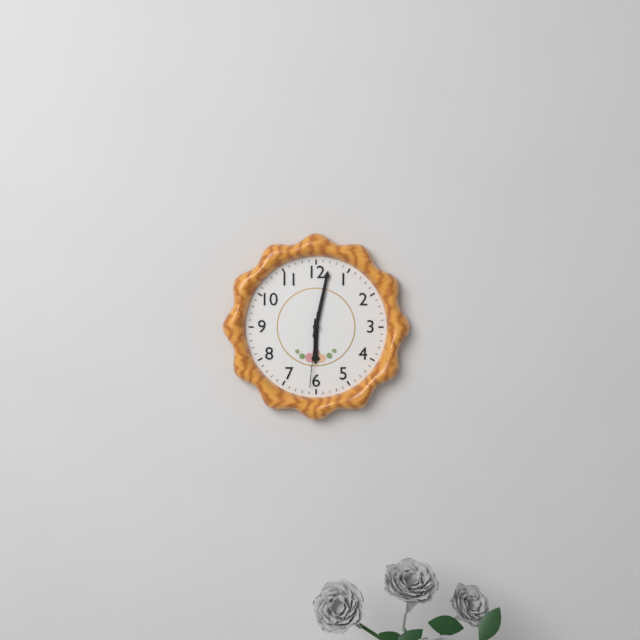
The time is h=6 m=2 s=31
